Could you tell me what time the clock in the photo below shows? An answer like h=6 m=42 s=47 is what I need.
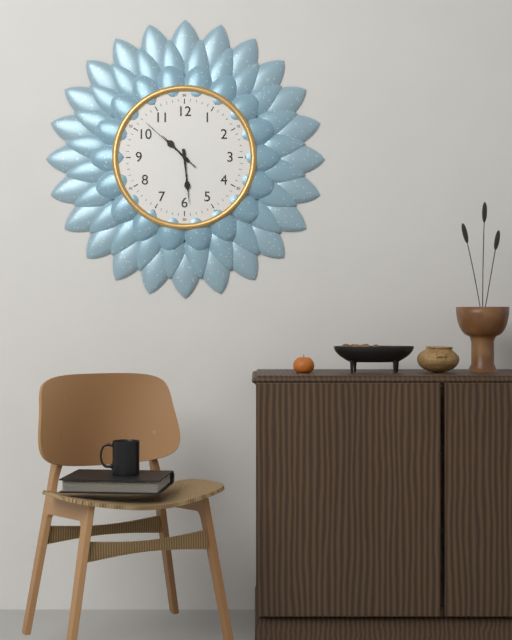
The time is h=10 m=29 s=52
